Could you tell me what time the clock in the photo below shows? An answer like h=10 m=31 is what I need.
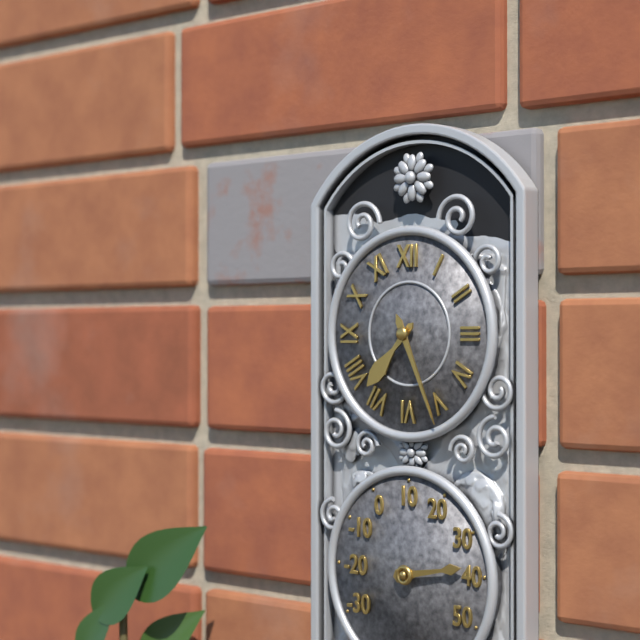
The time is h=7 m=26
